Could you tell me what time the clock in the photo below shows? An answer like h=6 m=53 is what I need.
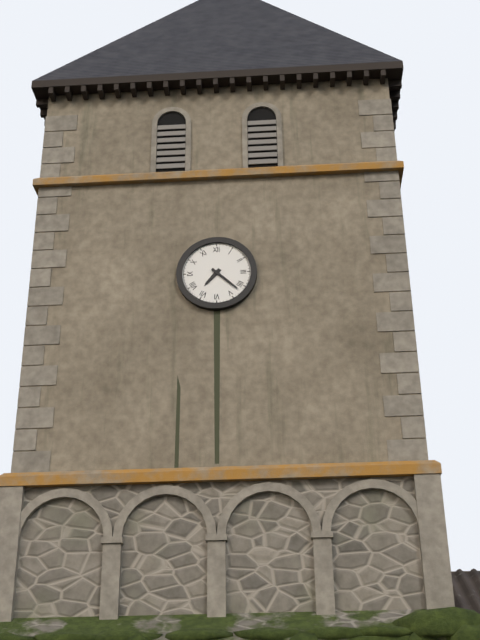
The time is h=7 m=22
